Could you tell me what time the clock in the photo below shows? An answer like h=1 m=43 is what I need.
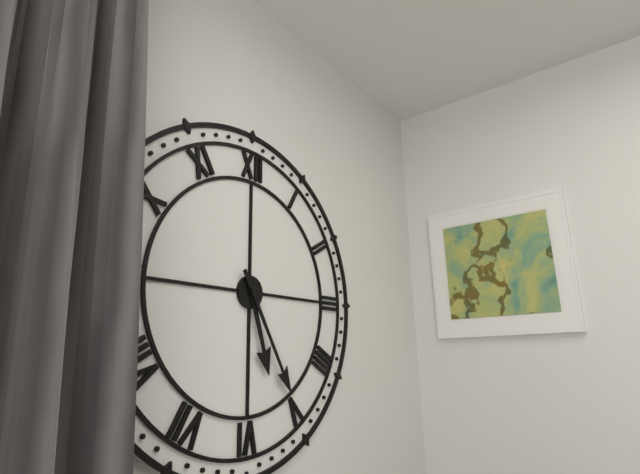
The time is h=5 m=25
